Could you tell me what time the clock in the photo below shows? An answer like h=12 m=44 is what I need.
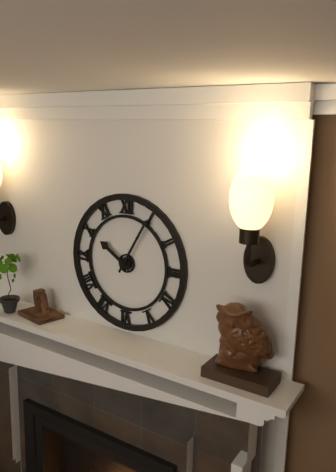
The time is h=10 m=5
